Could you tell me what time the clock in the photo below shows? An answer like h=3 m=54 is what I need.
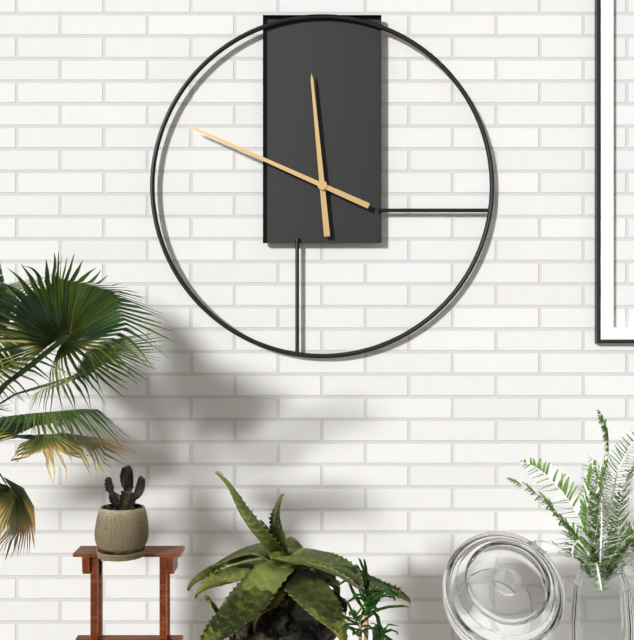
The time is h=11 m=49
